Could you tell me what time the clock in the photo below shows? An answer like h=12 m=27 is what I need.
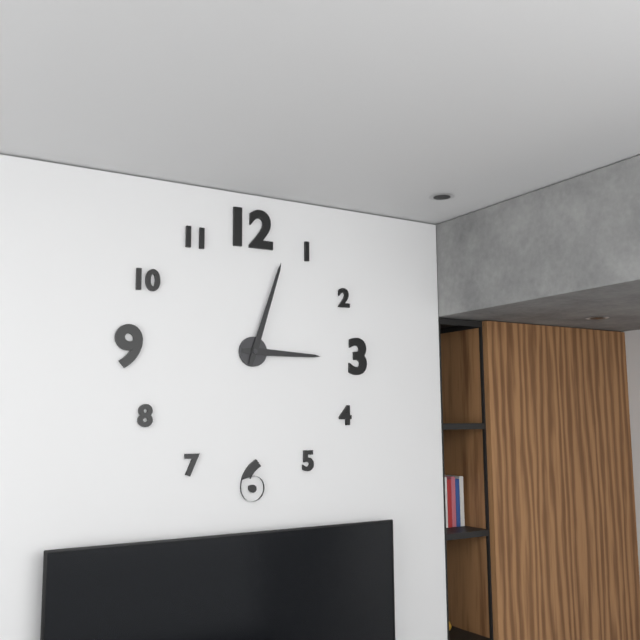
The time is h=3 m=3
